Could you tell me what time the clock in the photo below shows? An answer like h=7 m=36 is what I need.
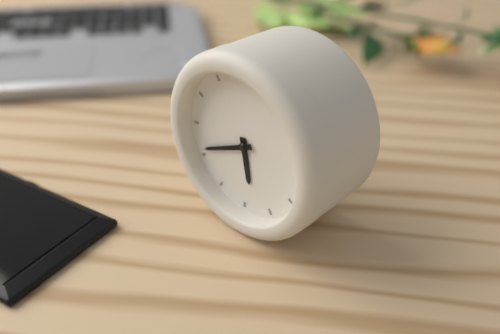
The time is h=5 m=41
